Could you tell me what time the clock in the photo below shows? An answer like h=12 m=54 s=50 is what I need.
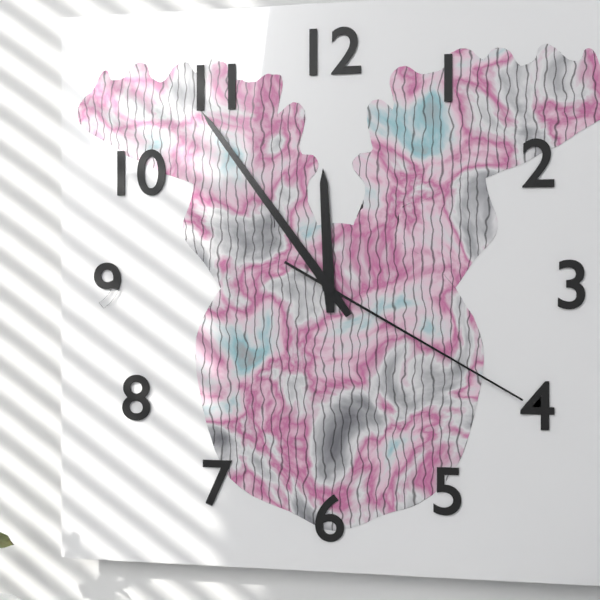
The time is h=11 m=54 s=20
